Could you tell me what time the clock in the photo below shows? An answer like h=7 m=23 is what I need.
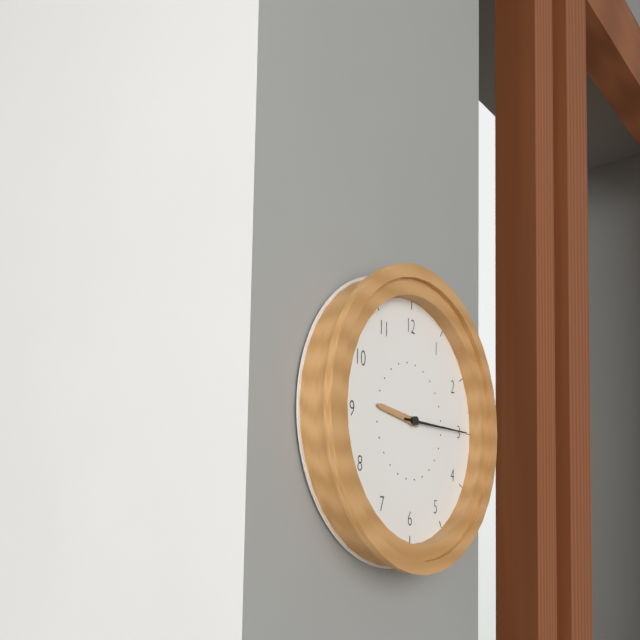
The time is h=9 m=15
